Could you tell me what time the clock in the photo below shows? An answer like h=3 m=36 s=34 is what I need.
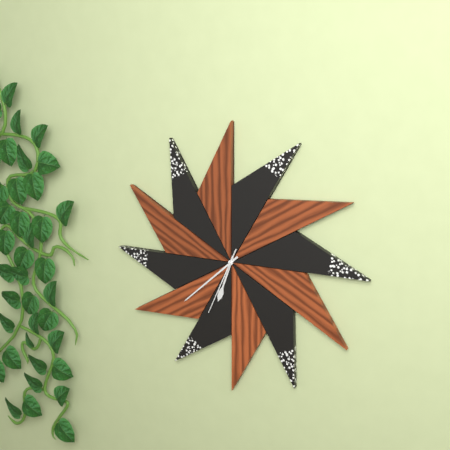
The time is h=6 m=38 s=34
